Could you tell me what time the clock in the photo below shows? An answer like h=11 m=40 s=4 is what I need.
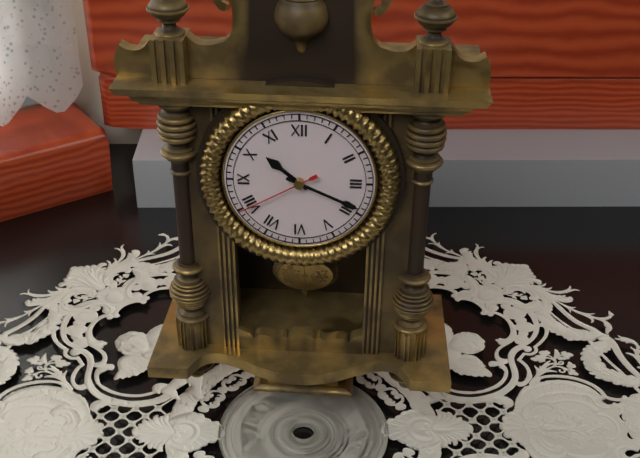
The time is h=10 m=19 s=40
